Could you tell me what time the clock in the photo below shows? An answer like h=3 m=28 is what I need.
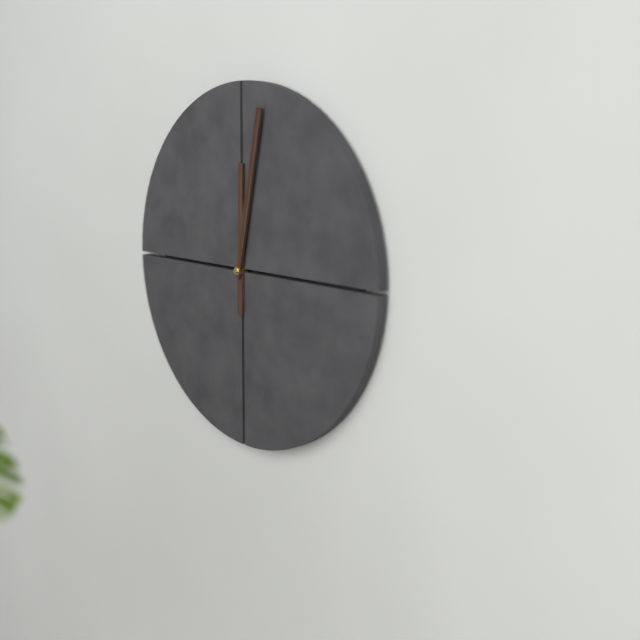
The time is h=12 m=2
